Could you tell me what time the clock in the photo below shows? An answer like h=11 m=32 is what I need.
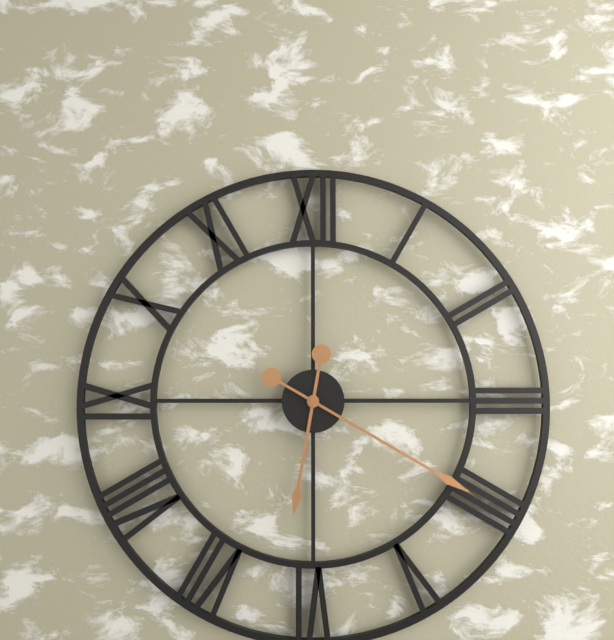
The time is h=6 m=20
